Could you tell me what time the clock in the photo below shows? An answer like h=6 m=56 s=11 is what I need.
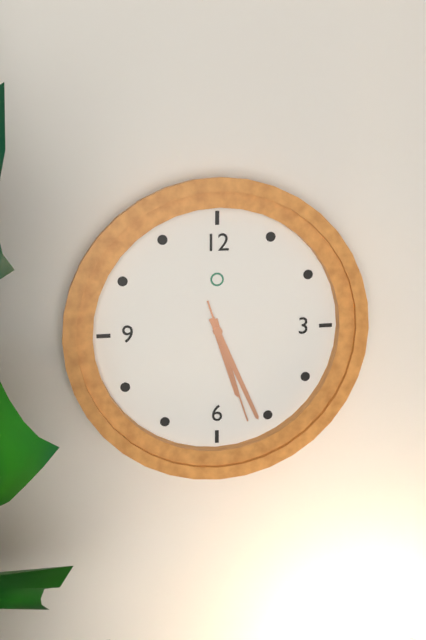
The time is h=5 m=26 s=27
